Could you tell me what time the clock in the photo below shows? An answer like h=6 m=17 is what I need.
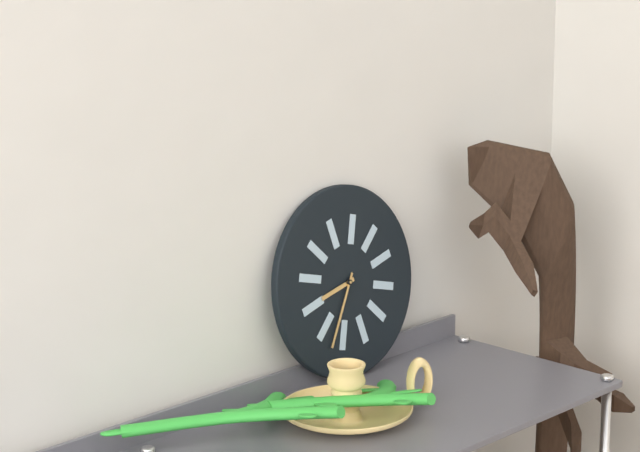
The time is h=8 m=35
